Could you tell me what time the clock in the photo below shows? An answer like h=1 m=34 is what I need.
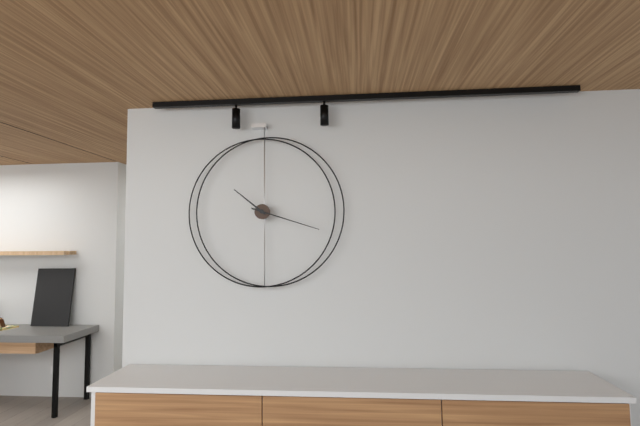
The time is h=10 m=18
